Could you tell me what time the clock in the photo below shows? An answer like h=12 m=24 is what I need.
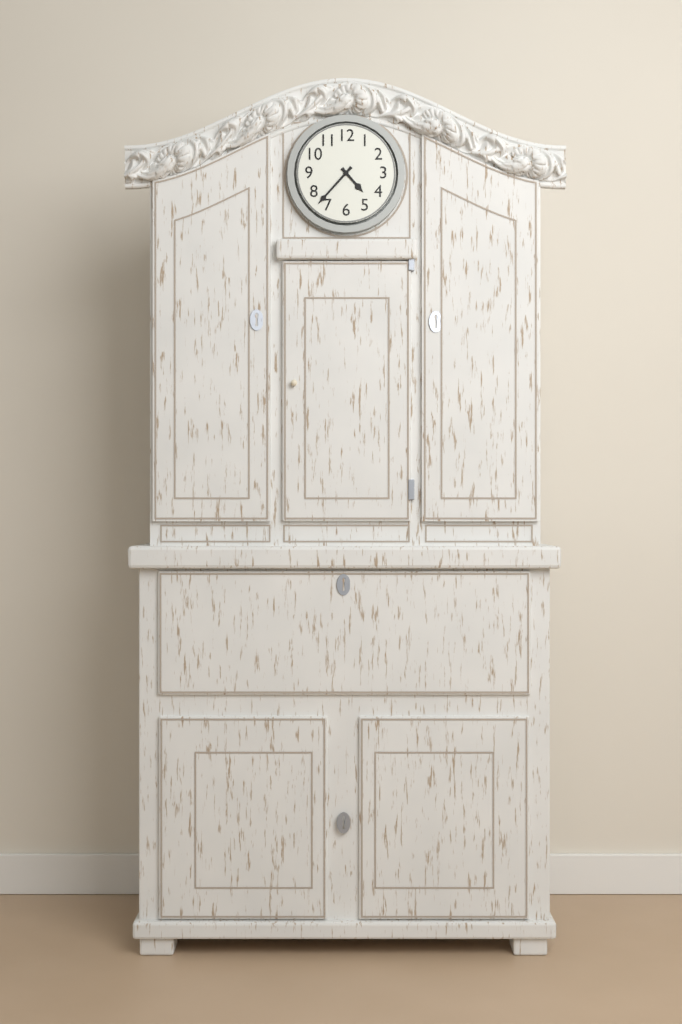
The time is h=4 m=37
